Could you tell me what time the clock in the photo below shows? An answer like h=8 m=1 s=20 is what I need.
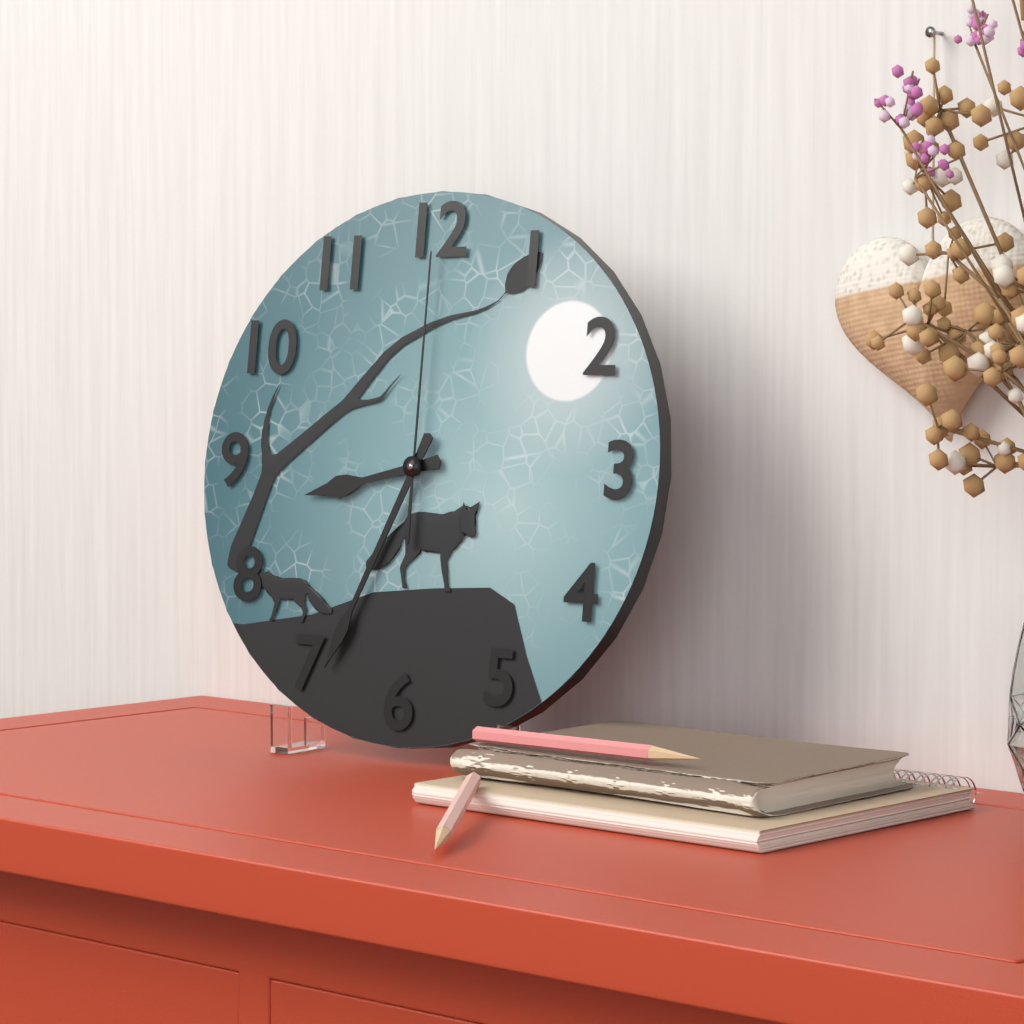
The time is h=8 m=34 s=0
